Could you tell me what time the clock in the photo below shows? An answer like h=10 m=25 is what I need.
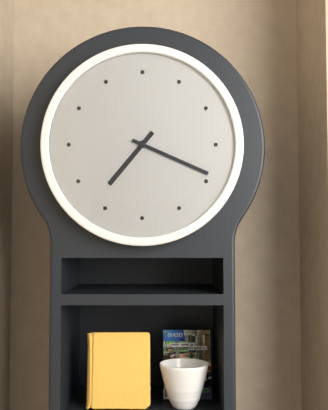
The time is h=7 m=19
